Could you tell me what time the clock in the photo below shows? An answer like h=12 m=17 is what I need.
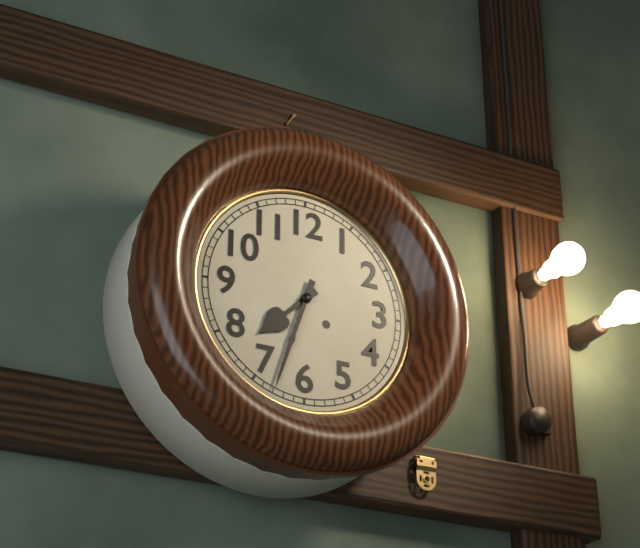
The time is h=7 m=33
